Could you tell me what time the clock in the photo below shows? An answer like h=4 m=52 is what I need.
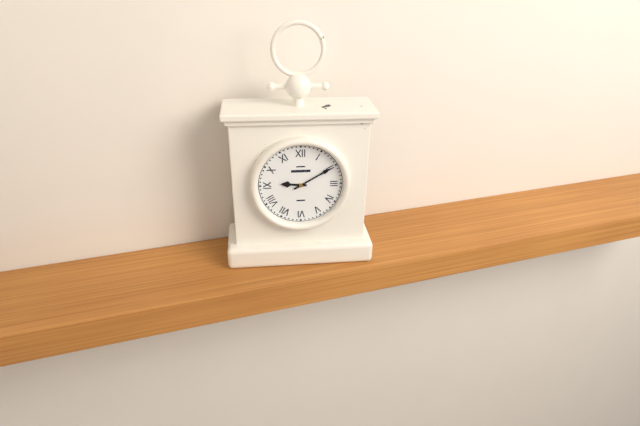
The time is h=9 m=10
